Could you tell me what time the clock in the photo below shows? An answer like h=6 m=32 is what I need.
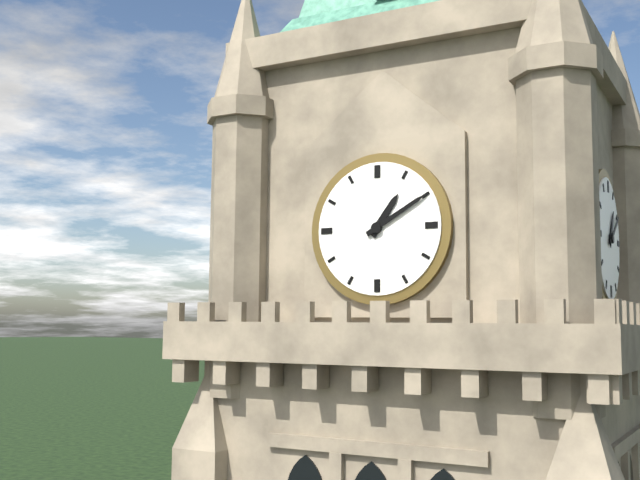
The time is h=1 m=10
